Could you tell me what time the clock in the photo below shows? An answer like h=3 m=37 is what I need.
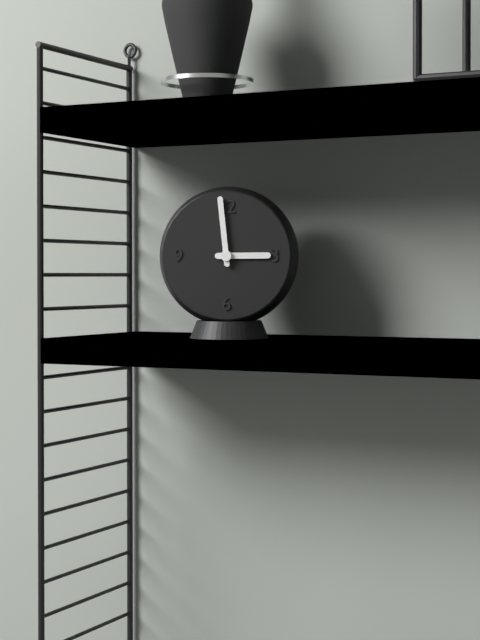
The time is h=2 m=59
